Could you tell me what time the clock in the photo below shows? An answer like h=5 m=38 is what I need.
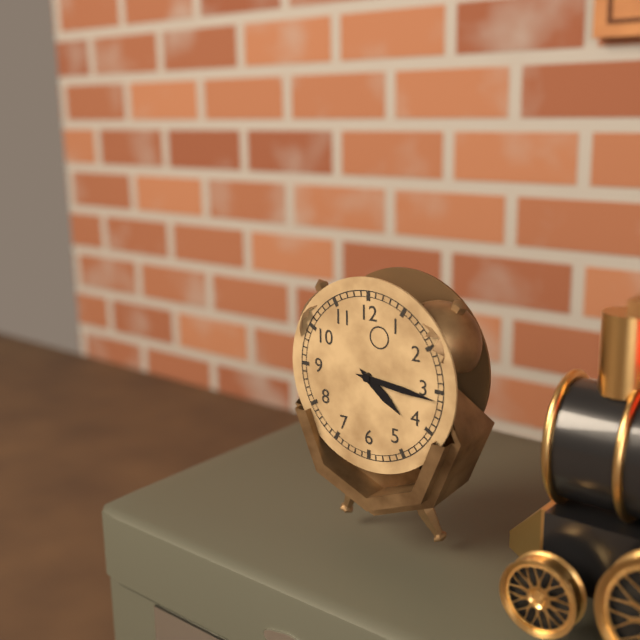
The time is h=4 m=16
